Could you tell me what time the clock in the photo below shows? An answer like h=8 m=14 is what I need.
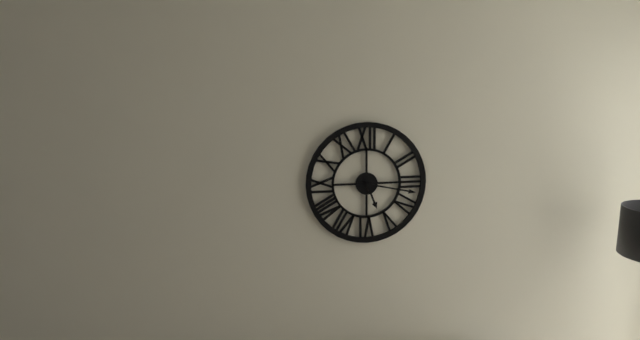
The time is h=5 m=17
